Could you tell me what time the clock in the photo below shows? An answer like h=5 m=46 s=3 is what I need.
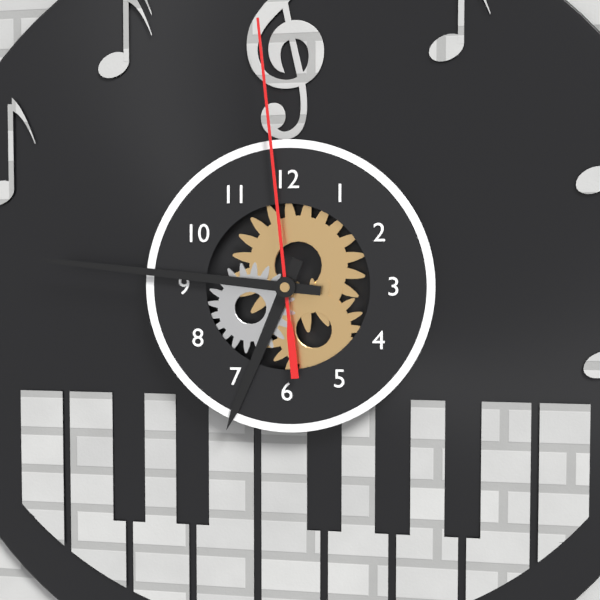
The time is h=6 m=46 s=59
